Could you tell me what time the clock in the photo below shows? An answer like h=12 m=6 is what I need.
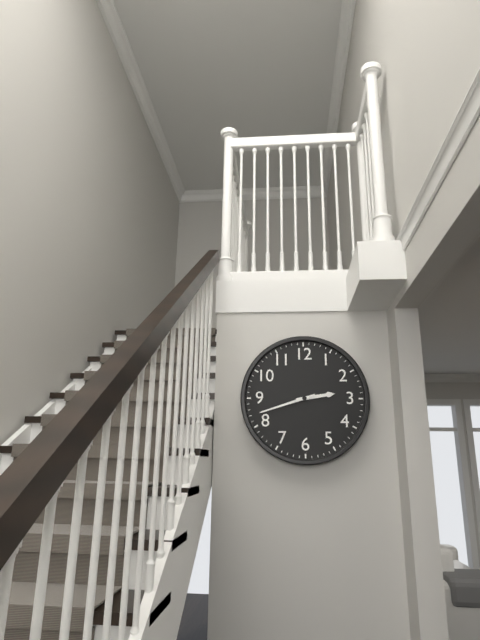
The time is h=2 m=42
